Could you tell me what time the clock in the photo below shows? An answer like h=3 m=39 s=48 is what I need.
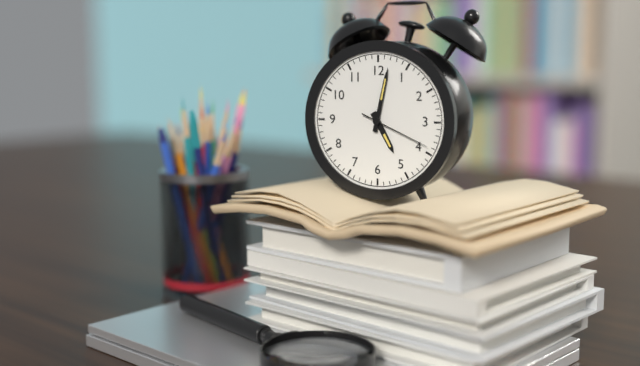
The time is h=5 m=2 s=19
